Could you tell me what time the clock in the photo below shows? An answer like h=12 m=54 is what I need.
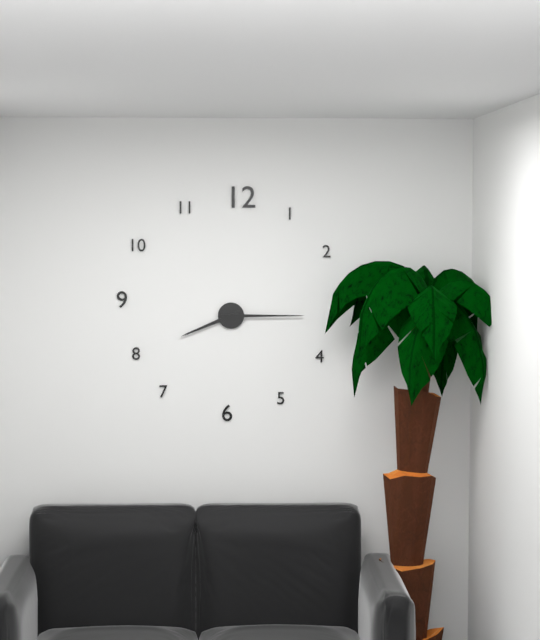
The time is h=8 m=15
